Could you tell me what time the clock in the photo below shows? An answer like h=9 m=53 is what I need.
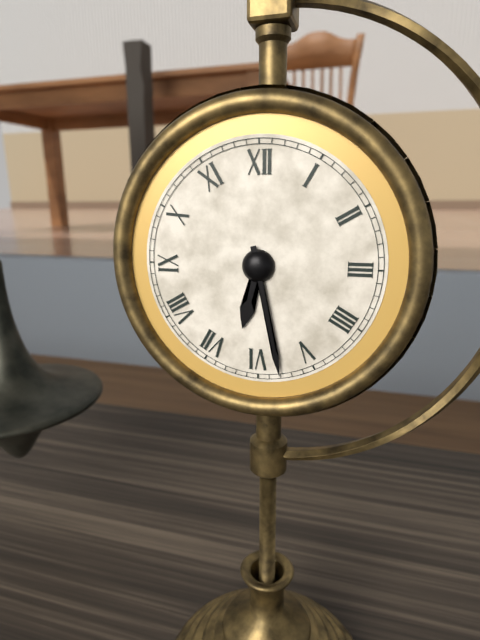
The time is h=6 m=28
